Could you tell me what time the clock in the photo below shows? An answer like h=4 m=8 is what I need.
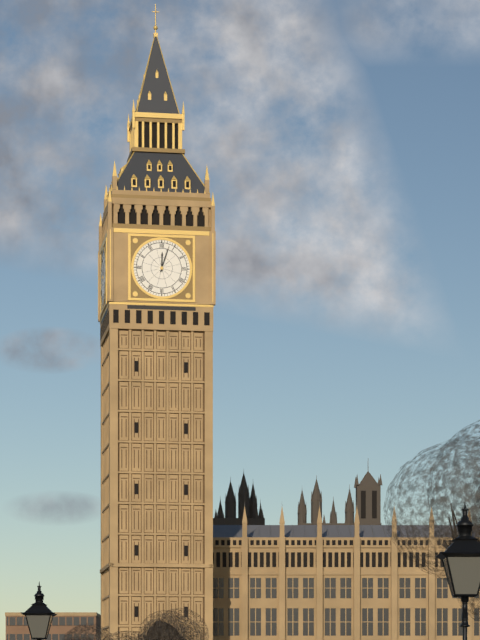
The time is h=12 m=3
